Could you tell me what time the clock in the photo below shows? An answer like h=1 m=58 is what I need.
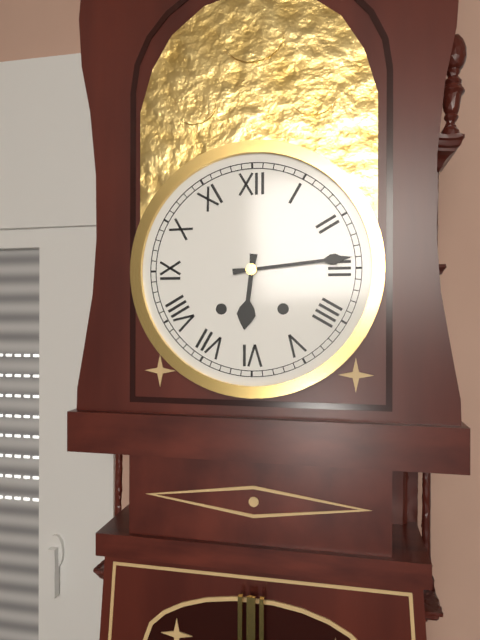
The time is h=6 m=14
